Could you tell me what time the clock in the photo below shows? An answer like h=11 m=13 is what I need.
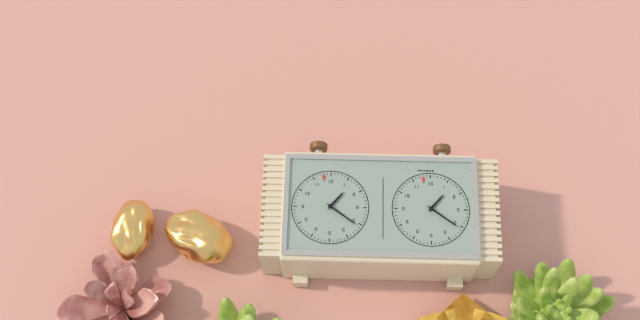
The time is h=1 m=21
